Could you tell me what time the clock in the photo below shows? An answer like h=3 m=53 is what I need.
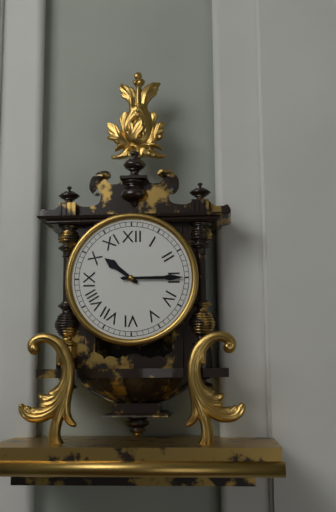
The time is h=10 m=15
